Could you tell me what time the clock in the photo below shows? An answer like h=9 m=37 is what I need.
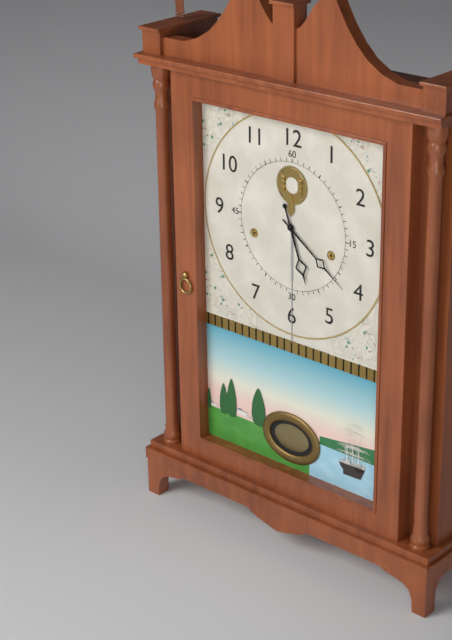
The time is h=5 m=21
